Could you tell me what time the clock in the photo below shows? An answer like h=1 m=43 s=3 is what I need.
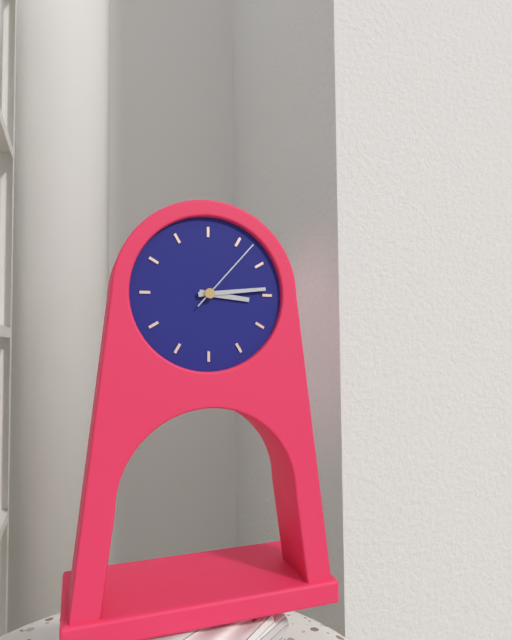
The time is h=3 m=14 s=7
